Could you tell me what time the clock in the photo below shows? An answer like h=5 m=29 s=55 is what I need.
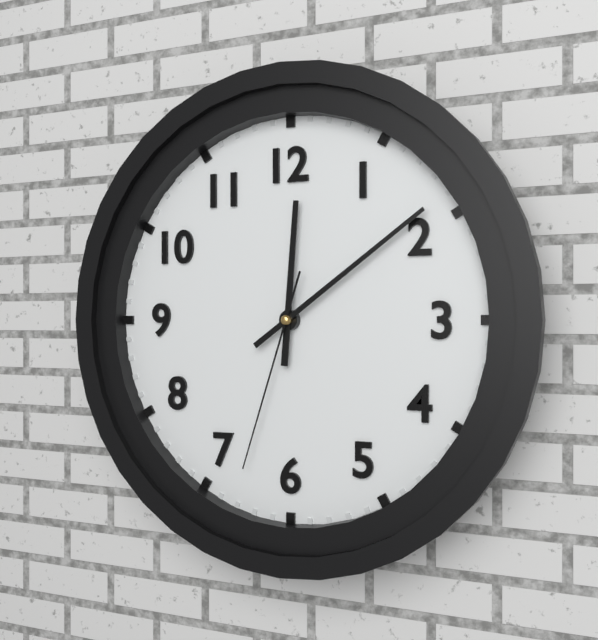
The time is h=12 m=9 s=33
